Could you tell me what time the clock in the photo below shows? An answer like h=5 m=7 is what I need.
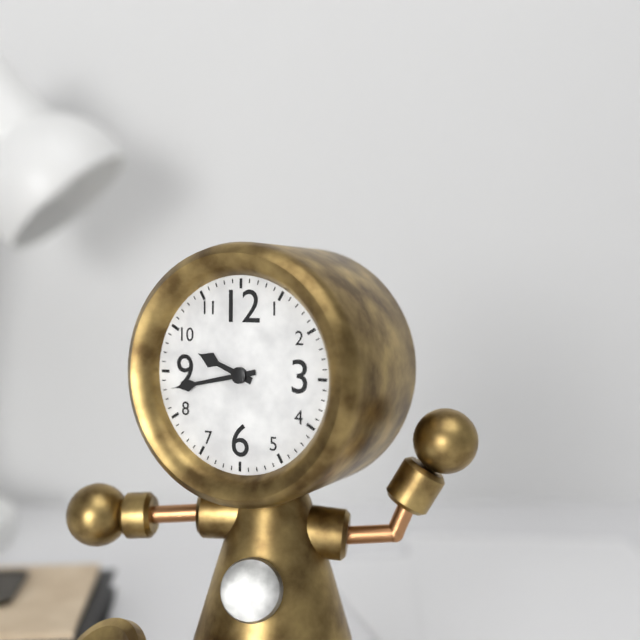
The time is h=9 m=43
